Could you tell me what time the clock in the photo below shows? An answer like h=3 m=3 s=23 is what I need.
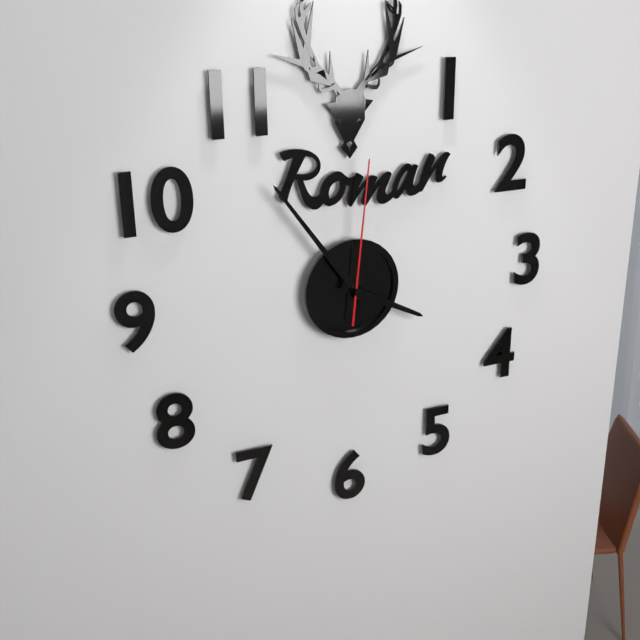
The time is h=3 m=54 s=1
